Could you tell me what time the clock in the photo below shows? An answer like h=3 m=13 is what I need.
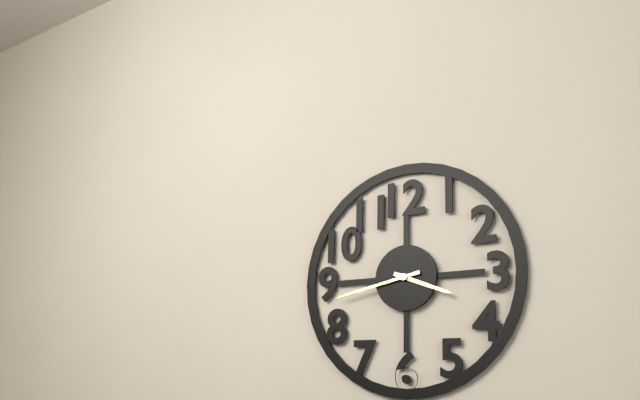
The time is h=3 m=43
